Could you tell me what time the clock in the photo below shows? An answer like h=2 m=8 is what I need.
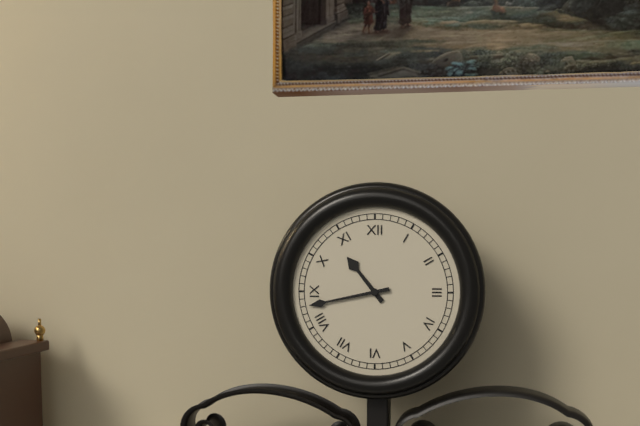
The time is h=10 m=43
